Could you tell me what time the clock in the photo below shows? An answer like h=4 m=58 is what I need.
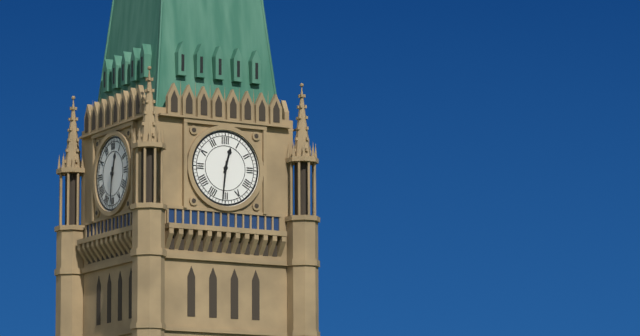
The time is h=12 m=31
